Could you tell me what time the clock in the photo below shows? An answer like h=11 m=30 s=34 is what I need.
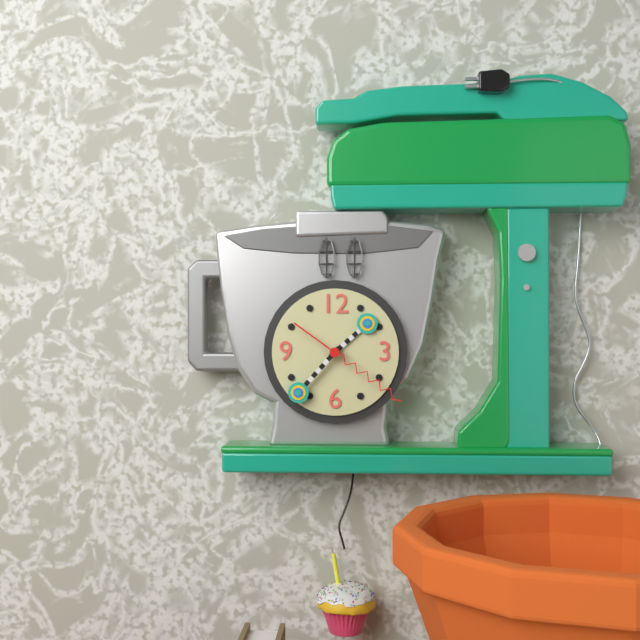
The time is h=1 m=37 s=21
